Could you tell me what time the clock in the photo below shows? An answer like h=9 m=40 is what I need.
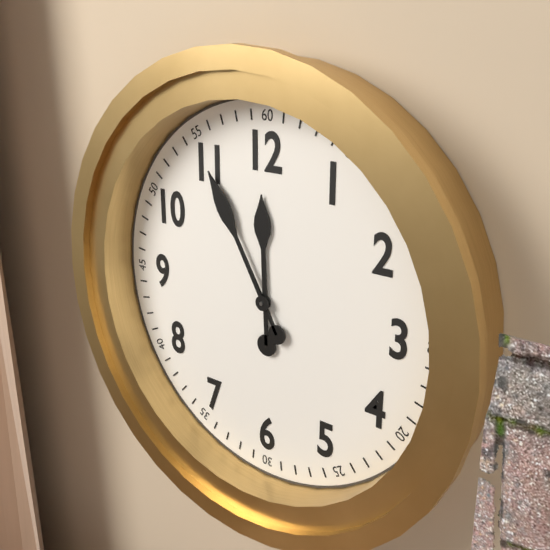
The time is h=11 m=55
